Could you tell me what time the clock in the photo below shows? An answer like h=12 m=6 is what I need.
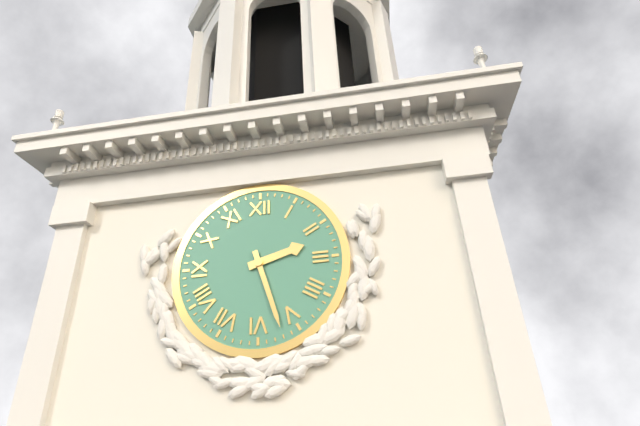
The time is h=2 m=27
